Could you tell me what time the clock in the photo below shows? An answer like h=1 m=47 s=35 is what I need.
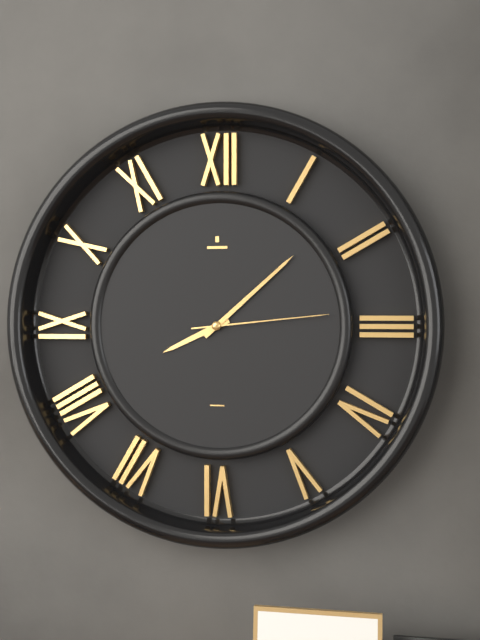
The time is h=8 m=8 s=14
